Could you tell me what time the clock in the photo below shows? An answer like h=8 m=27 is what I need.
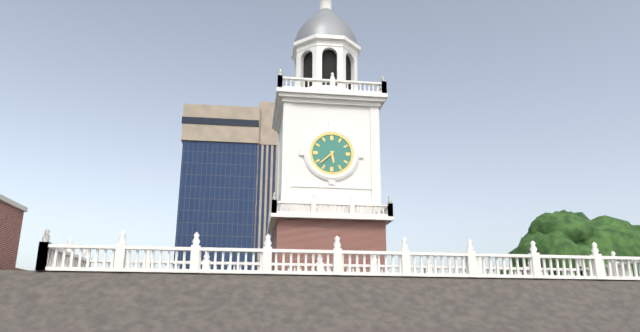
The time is h=5 m=38
